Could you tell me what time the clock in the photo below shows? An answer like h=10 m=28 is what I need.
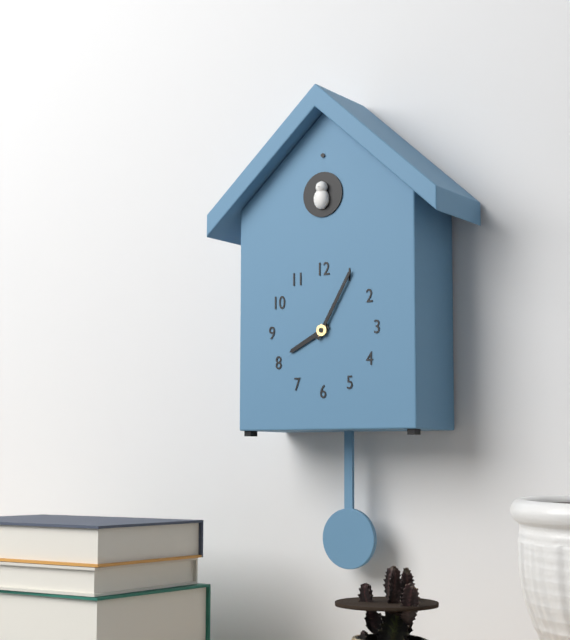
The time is h=8 m=5
